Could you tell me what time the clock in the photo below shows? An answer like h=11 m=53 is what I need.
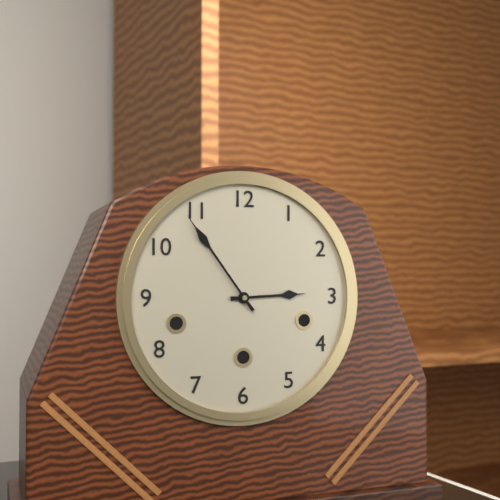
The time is h=2 m=54
